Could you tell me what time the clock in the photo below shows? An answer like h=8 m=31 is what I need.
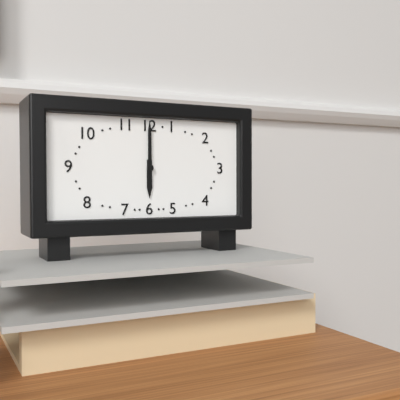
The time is h=6 m=0
